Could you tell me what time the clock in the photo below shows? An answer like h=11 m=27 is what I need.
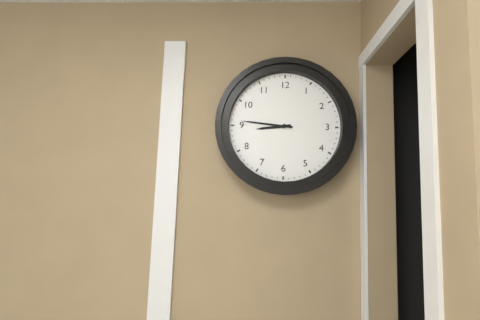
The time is h=8 m=46
